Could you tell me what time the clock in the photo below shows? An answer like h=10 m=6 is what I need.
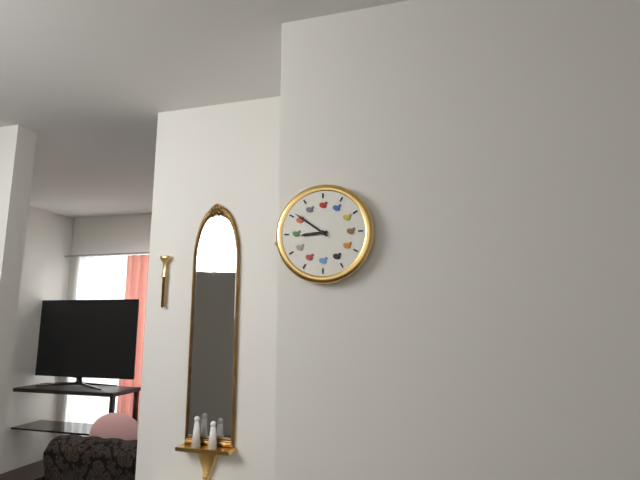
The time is h=8 m=51
